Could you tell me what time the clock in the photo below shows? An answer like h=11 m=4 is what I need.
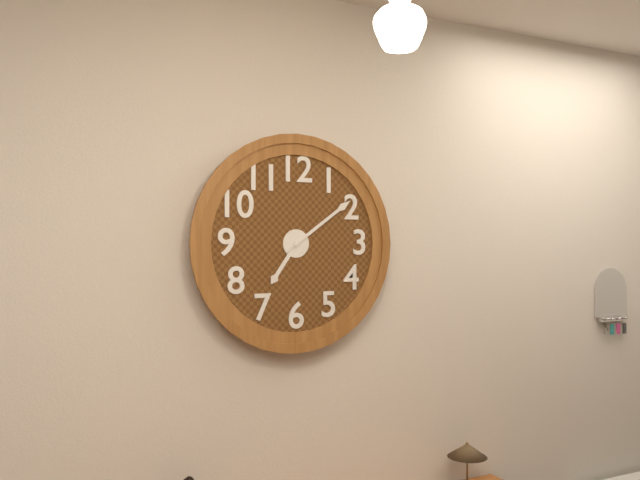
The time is h=7 m=9
